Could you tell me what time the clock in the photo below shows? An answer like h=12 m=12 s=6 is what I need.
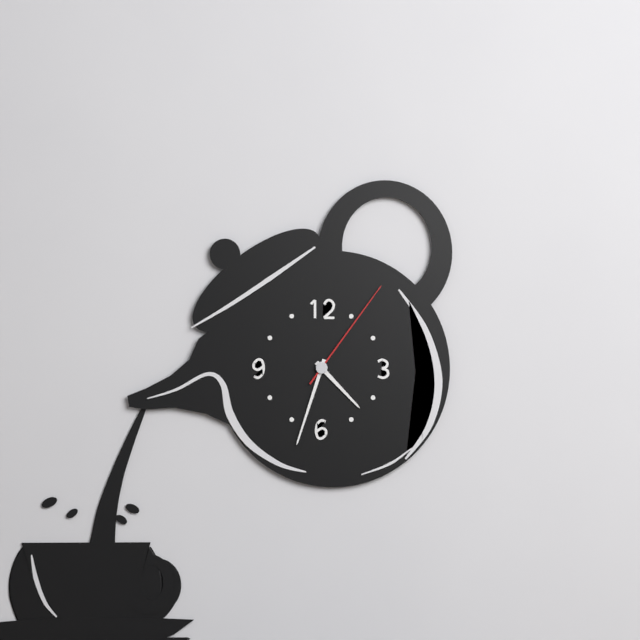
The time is h=4 m=33 s=6
